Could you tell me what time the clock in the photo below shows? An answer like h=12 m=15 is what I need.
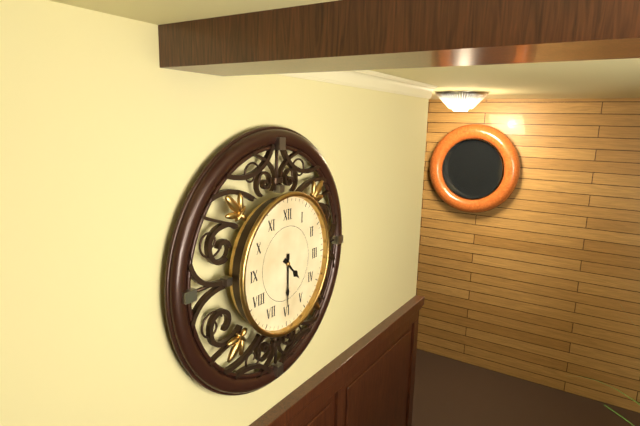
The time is h=4 m=30
